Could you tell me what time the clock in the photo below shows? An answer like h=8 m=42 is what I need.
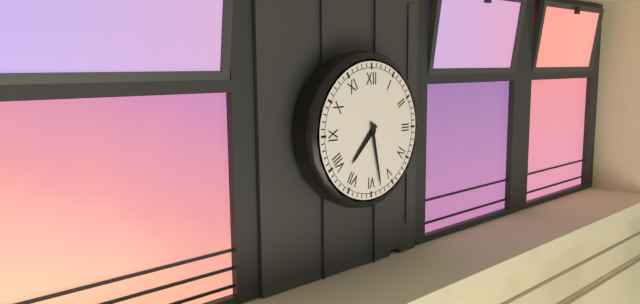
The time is h=7 m=28
